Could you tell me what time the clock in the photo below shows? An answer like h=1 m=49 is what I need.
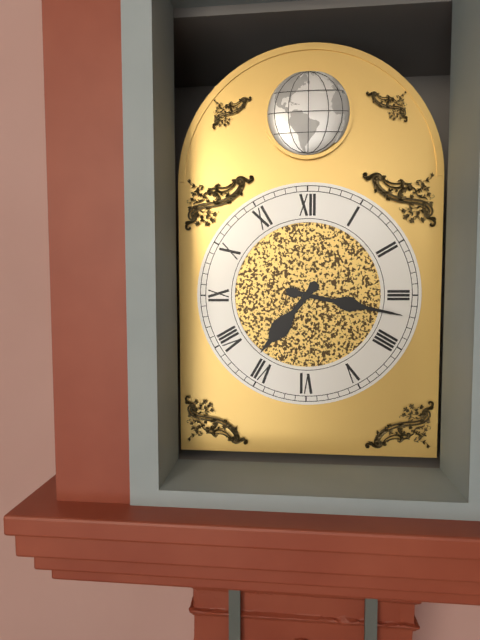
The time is h=7 m=17
